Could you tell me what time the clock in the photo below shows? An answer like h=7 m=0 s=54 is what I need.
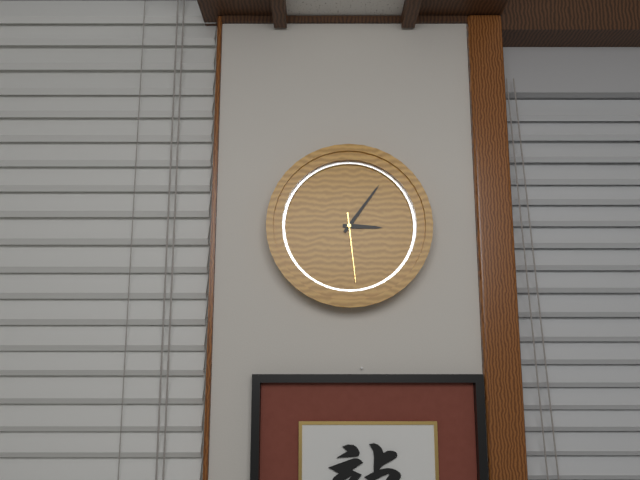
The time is h=3 m=6 s=29
